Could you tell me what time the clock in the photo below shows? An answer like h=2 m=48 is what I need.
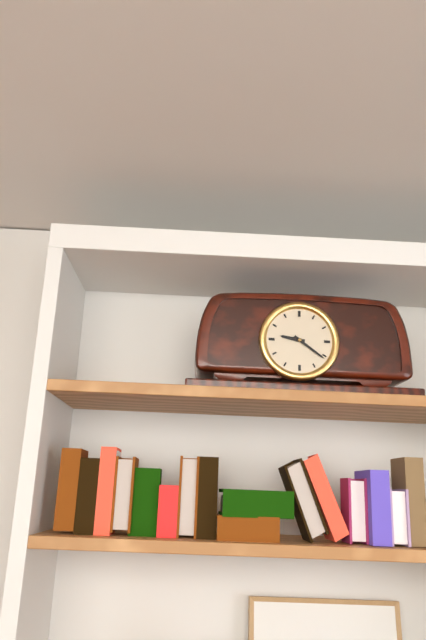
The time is h=9 m=21
